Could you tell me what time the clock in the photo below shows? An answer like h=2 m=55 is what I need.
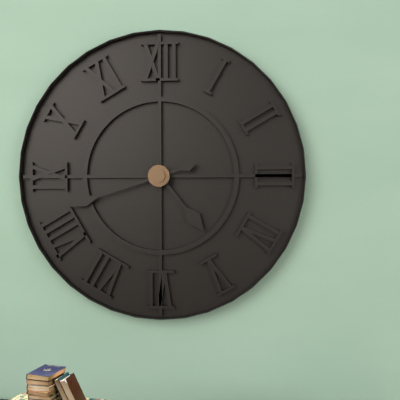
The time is h=4 m=42
